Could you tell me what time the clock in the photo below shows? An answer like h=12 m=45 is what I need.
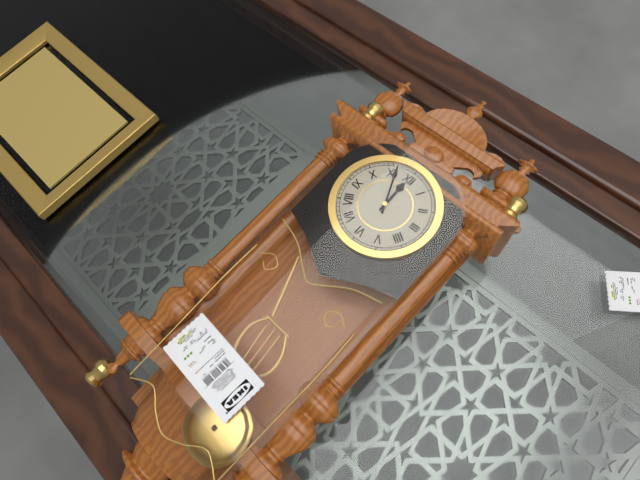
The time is h=11 m=56
